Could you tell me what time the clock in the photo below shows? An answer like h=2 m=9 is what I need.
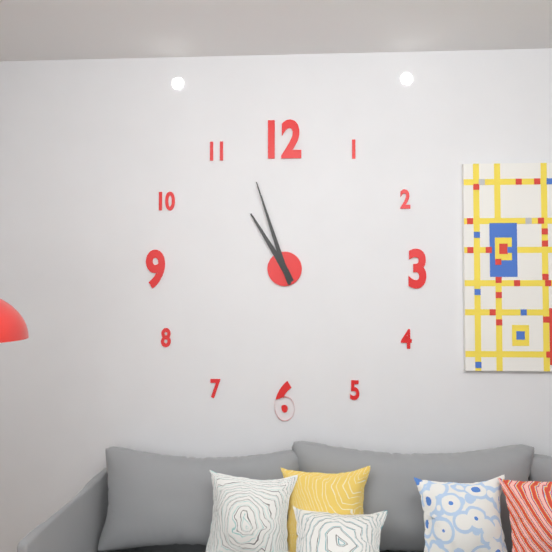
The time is h=10 m=57
